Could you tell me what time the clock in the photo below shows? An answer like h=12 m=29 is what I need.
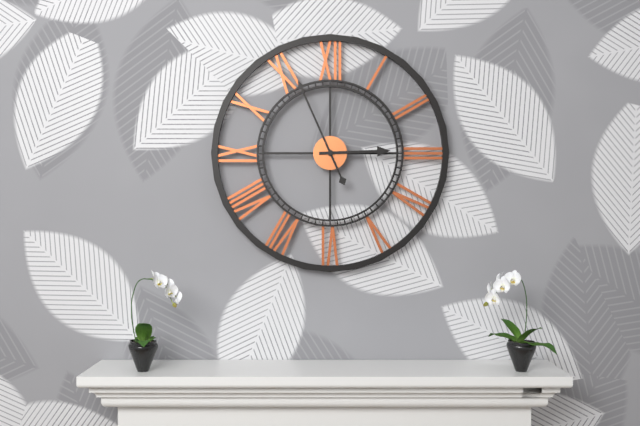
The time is h=2 m=56
